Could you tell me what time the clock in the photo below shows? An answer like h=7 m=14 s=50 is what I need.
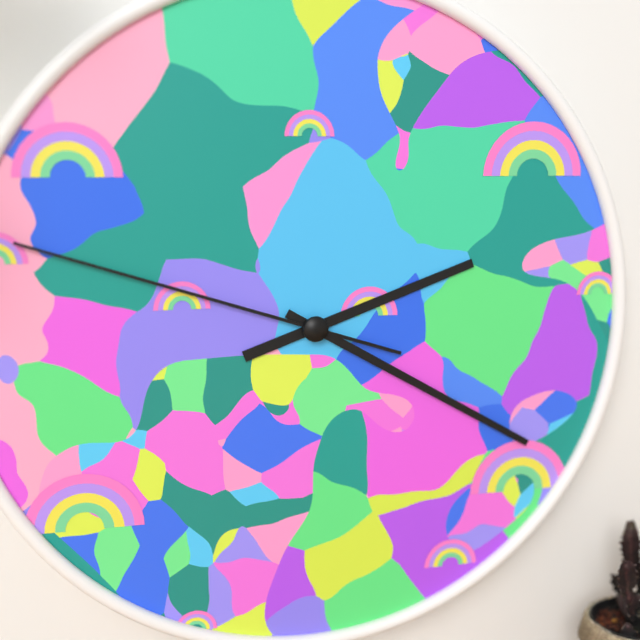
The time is h=2 m=20 s=48
